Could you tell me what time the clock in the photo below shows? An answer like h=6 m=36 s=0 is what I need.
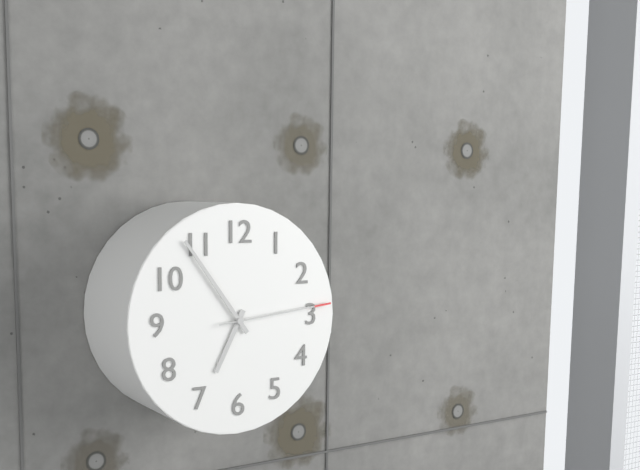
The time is h=6 m=54 s=14
